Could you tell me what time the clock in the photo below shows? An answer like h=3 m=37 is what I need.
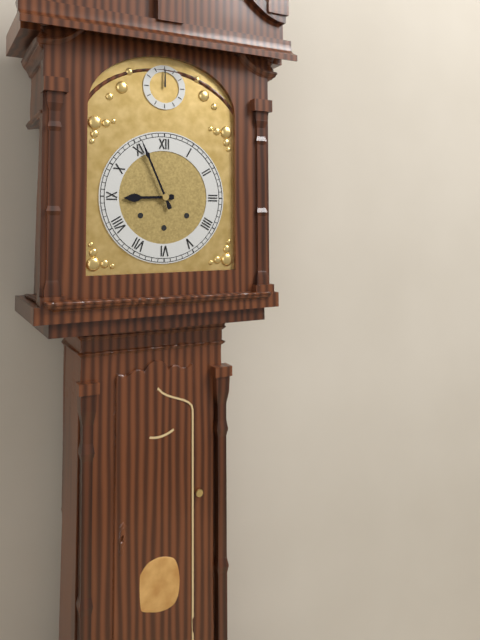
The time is h=8 m=56
